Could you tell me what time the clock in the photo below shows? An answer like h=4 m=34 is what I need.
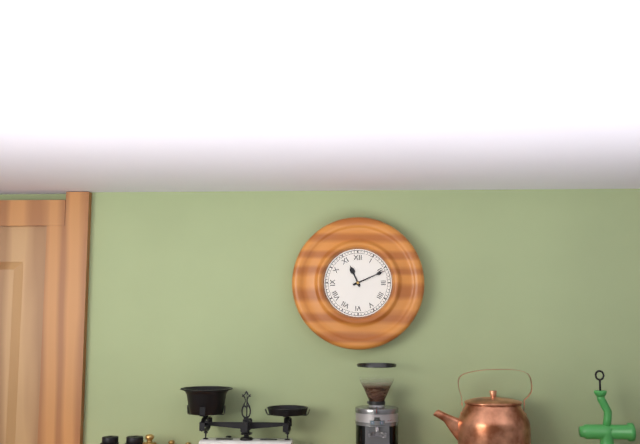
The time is h=11 m=11
